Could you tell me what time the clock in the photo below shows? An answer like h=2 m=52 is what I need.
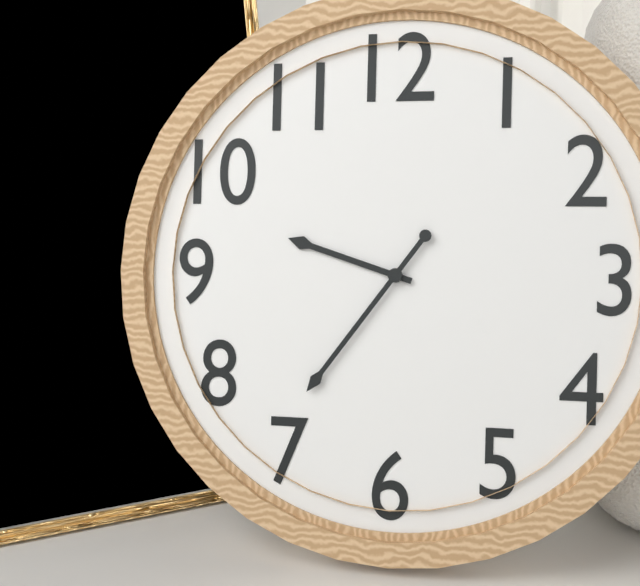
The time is h=9 m=36
